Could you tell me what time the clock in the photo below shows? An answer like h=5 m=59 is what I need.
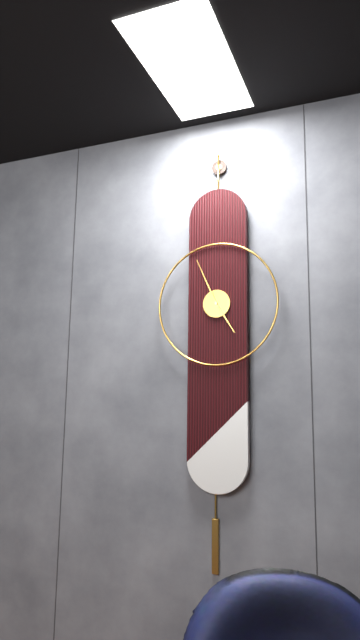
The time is h=4 m=56
